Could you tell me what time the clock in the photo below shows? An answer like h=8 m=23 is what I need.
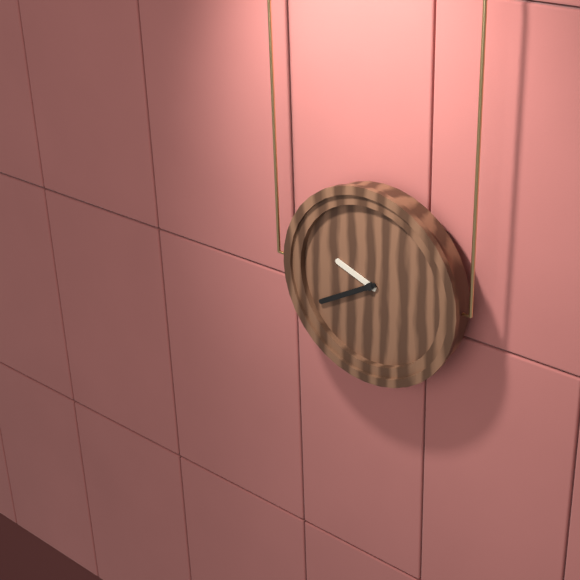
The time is h=9 m=40
